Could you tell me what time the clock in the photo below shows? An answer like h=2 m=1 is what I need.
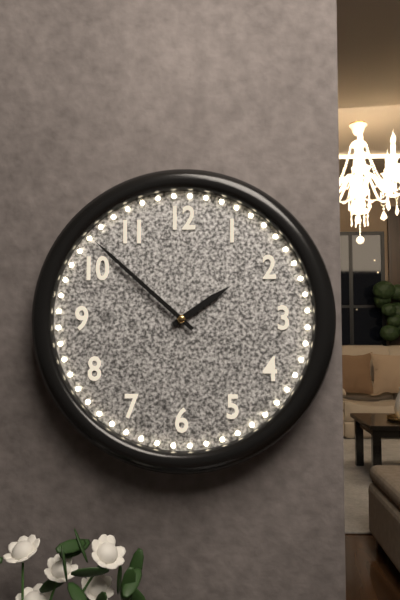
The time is h=1 m=52
